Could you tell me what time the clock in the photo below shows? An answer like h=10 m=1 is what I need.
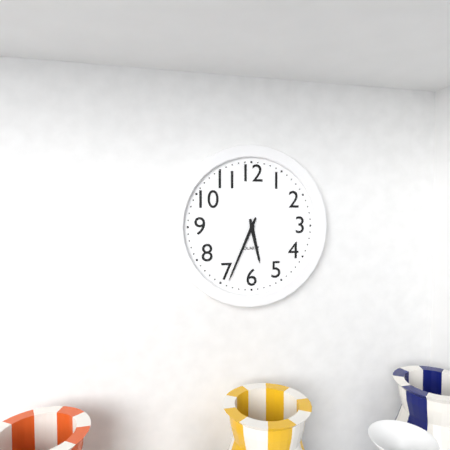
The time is h=5 m=34
